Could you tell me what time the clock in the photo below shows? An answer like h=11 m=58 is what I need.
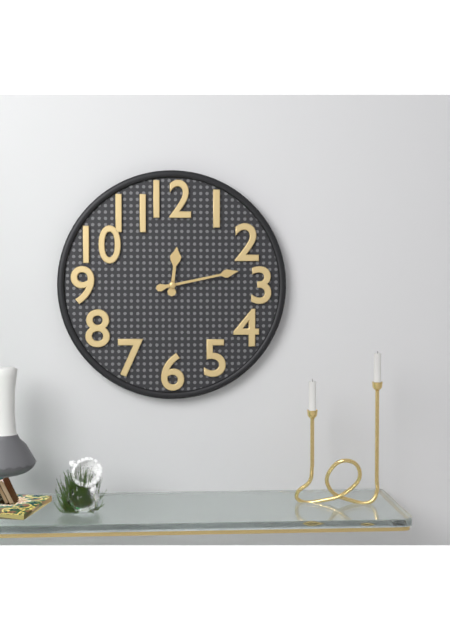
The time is h=12 m=13
